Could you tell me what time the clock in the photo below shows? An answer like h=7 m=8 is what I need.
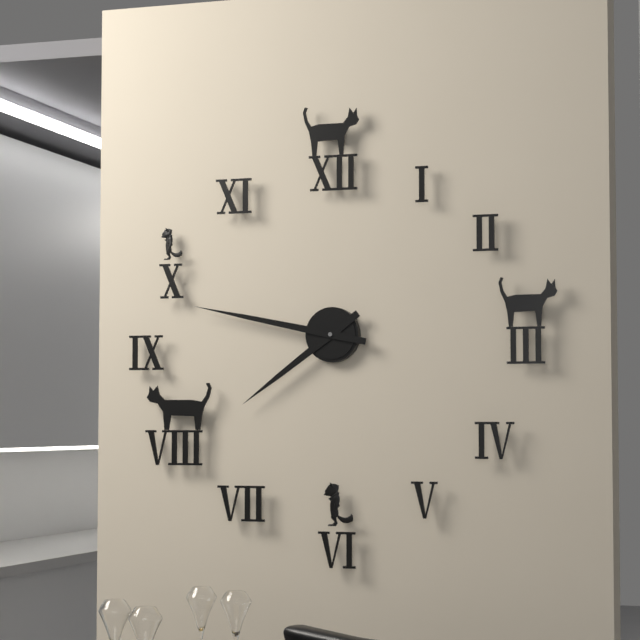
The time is h=7 m=47
